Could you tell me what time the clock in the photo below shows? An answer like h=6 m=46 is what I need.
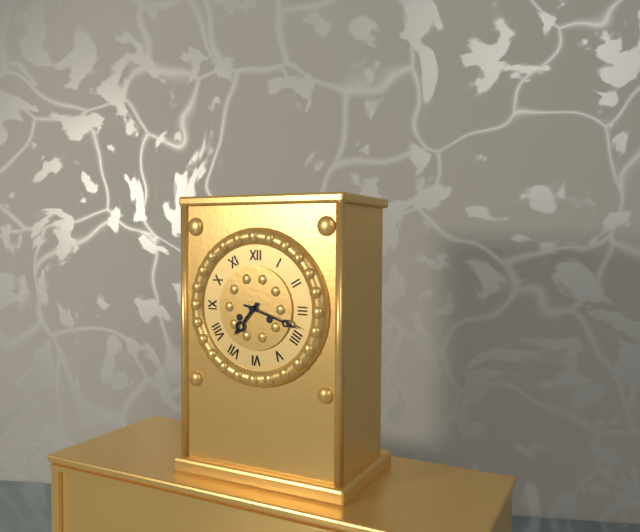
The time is h=7 m=18
